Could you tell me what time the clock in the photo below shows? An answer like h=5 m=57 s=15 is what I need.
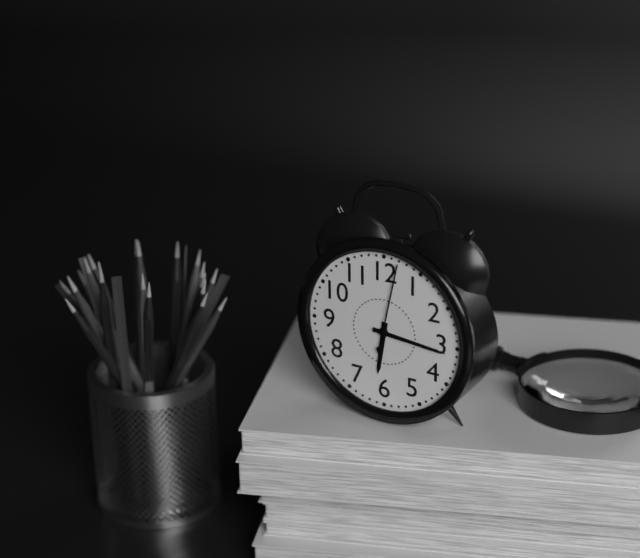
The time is h=6 m=16 s=2
